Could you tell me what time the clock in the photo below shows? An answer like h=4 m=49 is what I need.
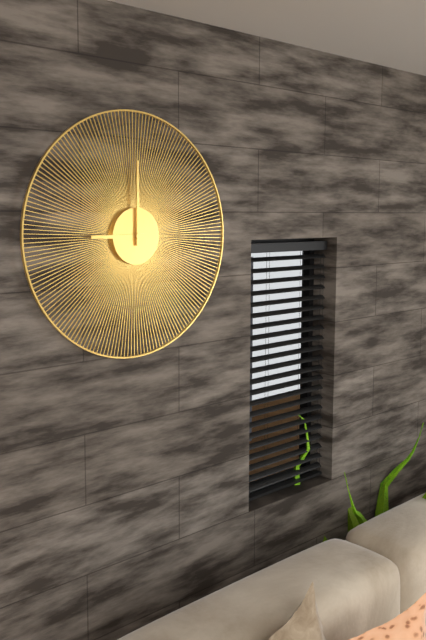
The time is h=9 m=0
